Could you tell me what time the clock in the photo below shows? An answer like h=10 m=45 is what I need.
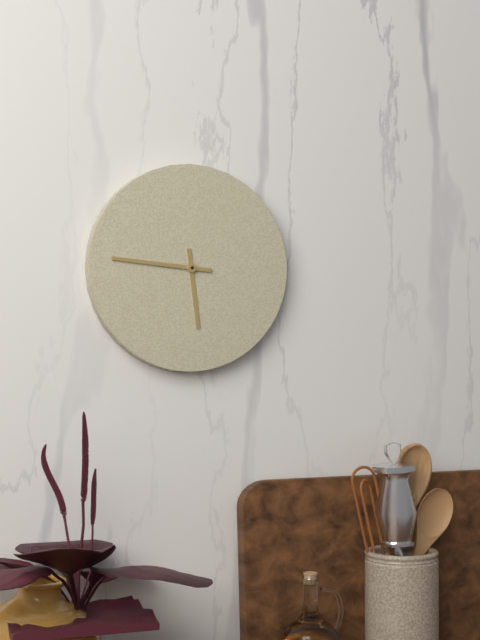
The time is h=5 m=46
